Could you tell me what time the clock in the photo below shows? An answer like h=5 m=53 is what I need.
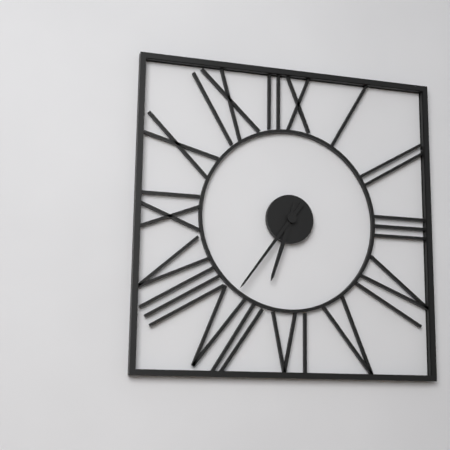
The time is h=6 m=36
